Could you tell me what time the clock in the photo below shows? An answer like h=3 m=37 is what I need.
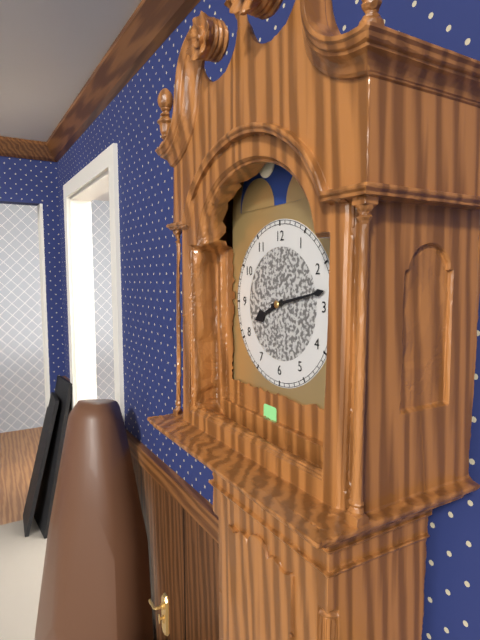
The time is h=8 m=13
